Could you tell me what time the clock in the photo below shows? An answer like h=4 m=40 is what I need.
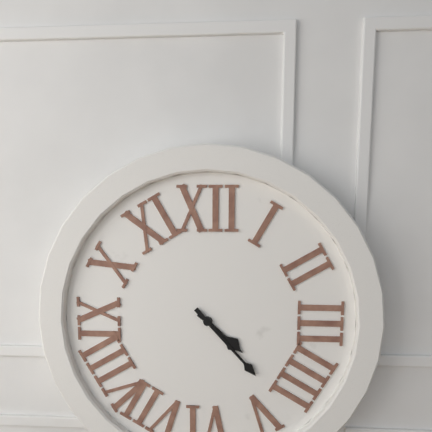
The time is h=4 m=23
